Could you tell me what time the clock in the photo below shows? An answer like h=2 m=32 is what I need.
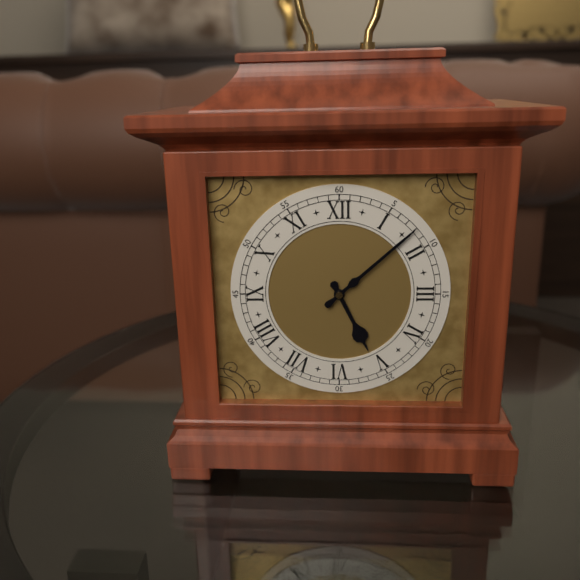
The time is h=5 m=8
